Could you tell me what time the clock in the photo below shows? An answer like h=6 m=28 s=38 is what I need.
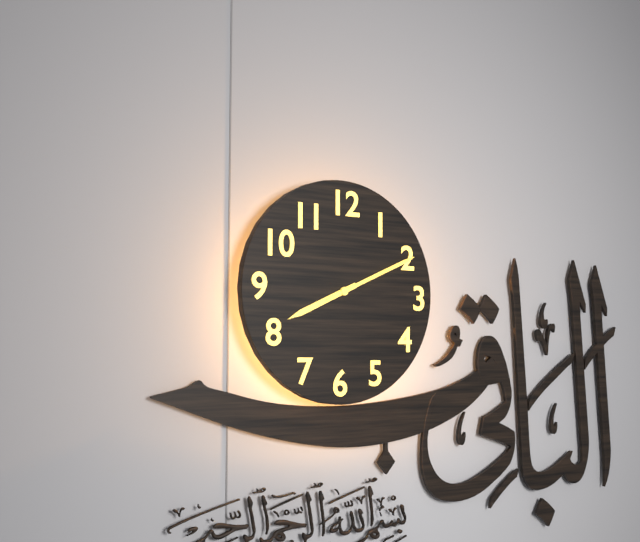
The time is h=8 m=11 s=11
